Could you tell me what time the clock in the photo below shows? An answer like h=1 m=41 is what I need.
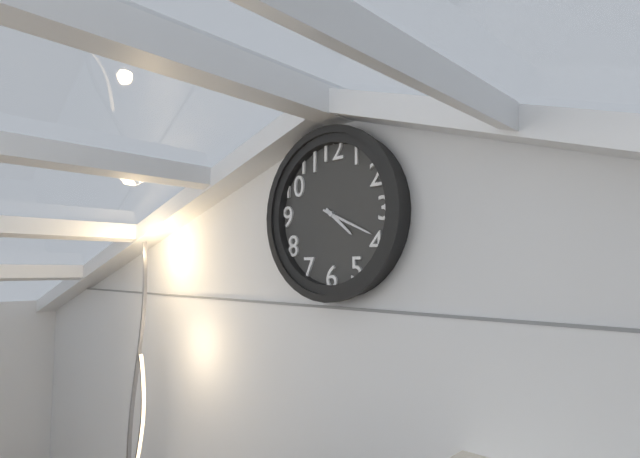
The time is h=4 m=19
